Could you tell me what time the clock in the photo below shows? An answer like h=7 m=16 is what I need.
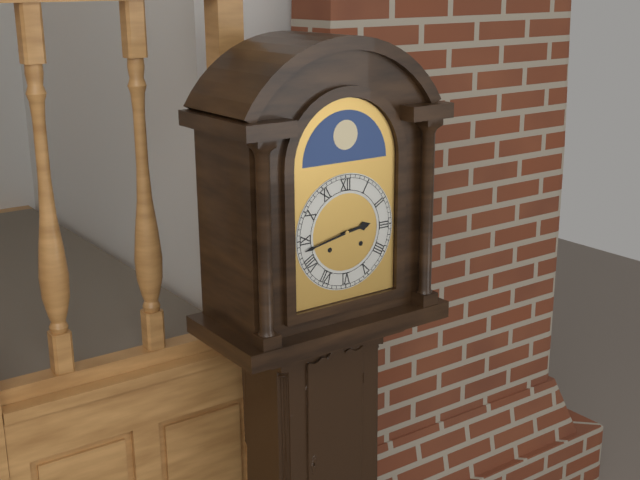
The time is h=2 m=43
